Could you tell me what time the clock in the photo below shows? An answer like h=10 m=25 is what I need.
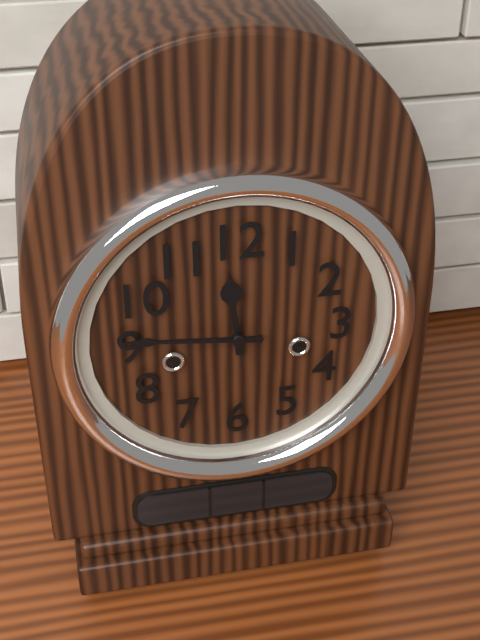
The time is h=11 m=46
